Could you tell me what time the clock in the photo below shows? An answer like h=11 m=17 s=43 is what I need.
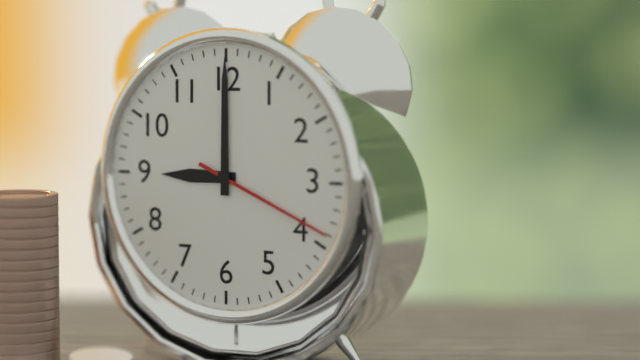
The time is h=9 m=0 s=19
